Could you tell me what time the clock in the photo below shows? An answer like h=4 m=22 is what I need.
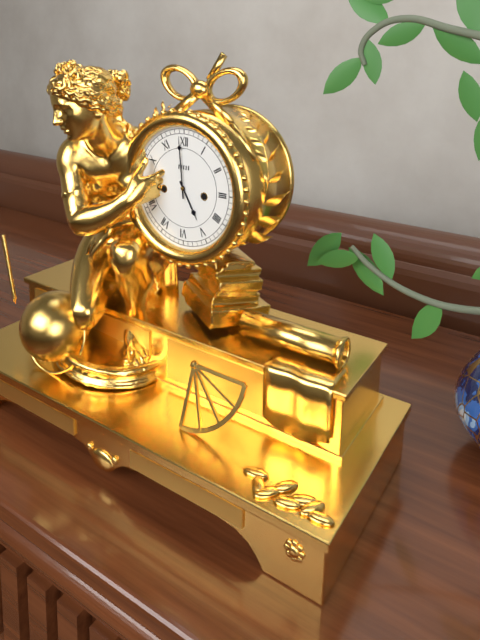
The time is h=4 m=59
